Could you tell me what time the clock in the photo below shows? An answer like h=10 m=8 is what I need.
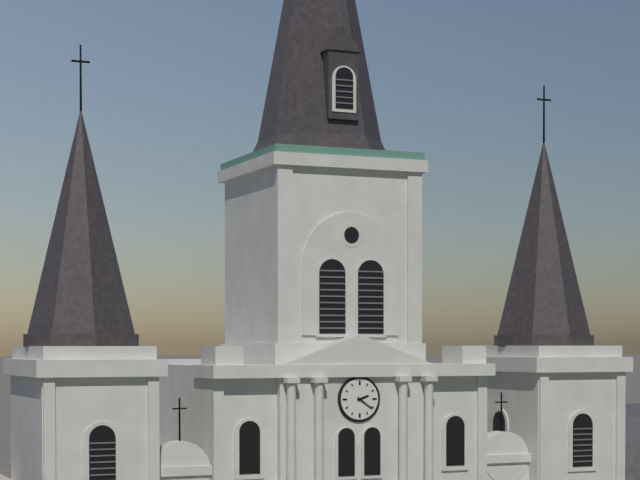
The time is h=2 m=21
